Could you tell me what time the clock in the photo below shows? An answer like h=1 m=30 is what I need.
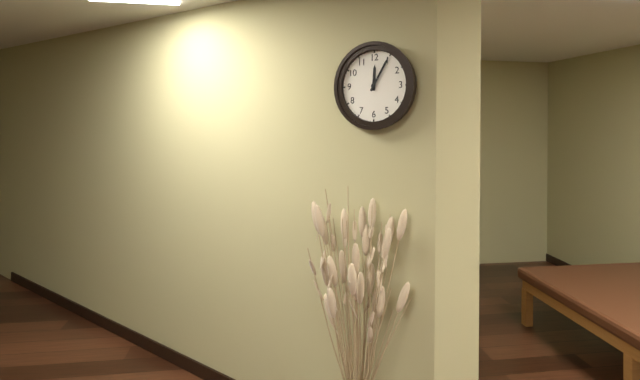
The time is h=12 m=5
